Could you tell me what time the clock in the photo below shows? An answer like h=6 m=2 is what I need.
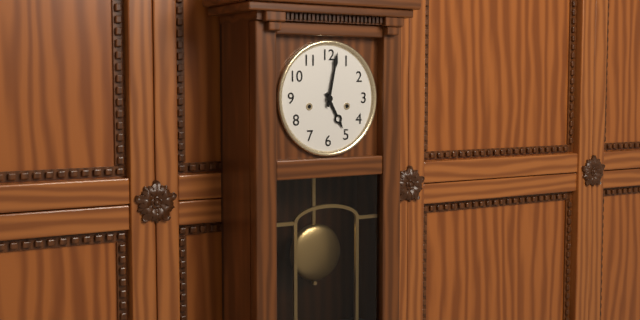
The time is h=5 m=2
